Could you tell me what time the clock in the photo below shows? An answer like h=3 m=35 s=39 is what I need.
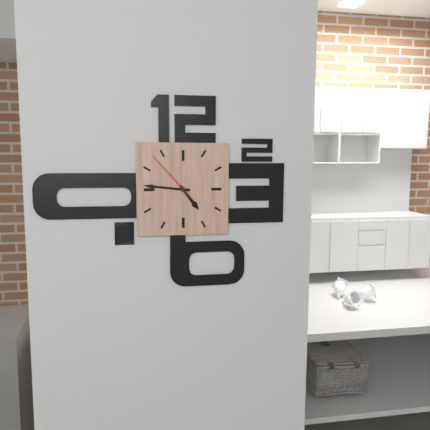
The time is h=4 m=46 s=53
